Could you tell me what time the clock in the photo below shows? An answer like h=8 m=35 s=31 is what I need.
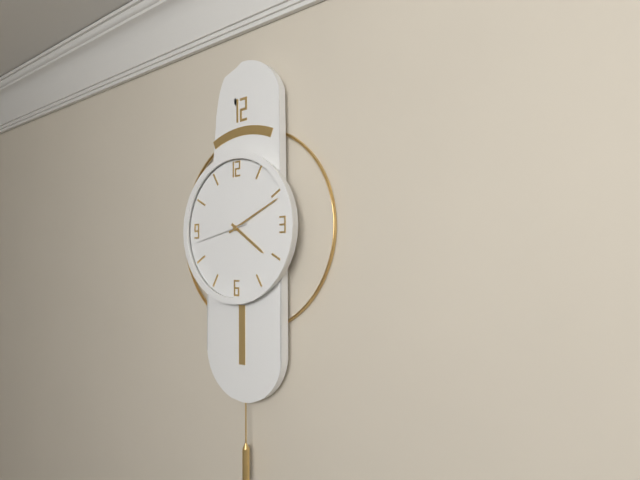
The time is h=4 m=11 s=43
